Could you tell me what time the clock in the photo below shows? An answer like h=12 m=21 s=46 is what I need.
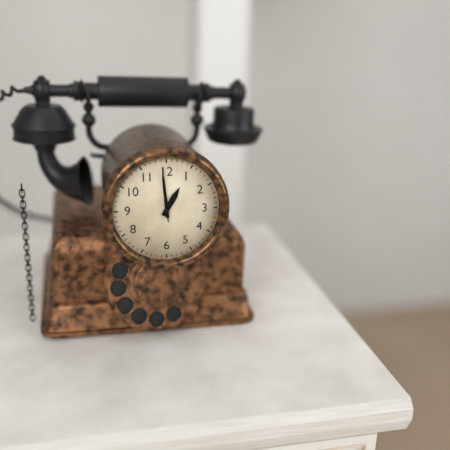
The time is h=12 m=59 s=59
